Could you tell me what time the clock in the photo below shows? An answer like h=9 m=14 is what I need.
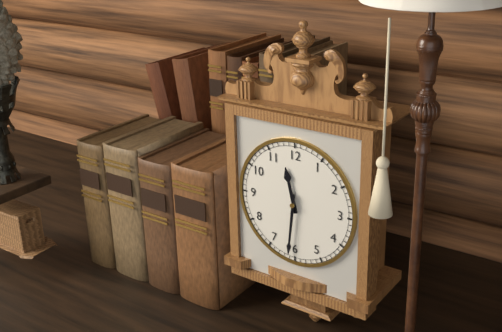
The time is h=11 m=31
